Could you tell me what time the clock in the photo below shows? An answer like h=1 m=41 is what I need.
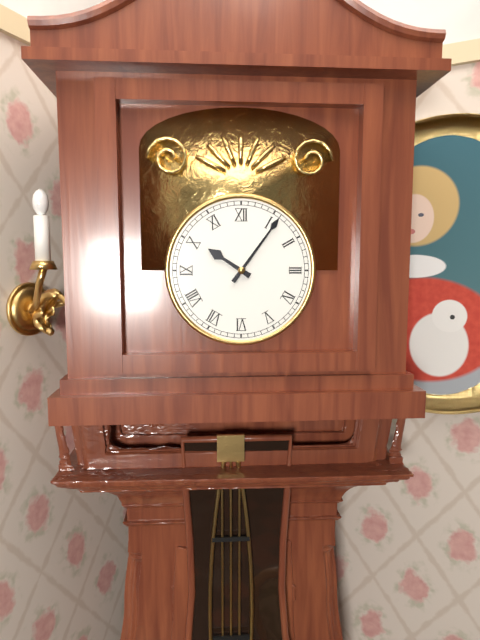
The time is h=10 m=6
